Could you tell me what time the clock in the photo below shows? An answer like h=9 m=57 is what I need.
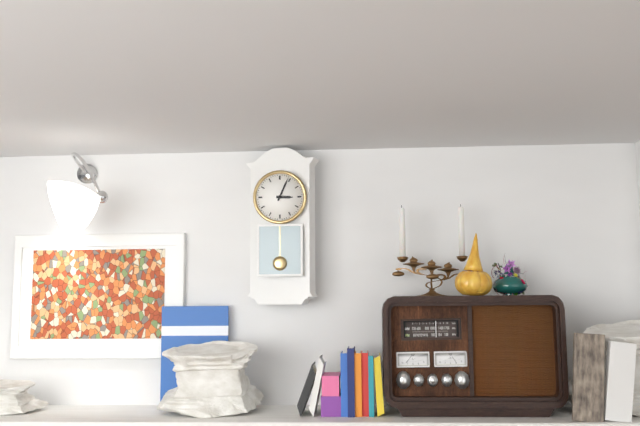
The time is h=3 m=4
